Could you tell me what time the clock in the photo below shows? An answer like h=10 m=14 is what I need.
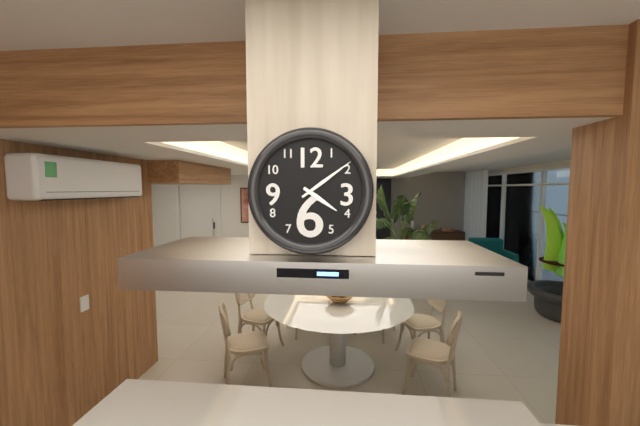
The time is h=4 m=9
